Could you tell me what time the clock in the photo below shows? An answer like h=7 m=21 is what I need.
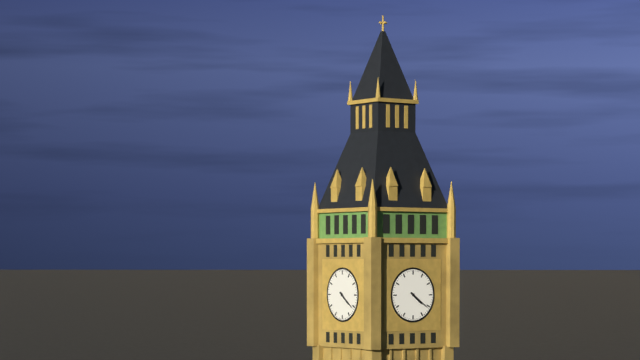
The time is h=4 m=21
